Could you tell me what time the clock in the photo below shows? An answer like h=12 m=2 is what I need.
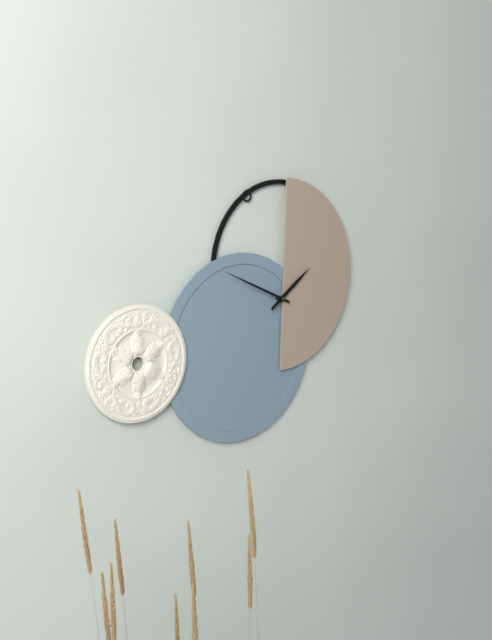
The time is h=1 m=49
